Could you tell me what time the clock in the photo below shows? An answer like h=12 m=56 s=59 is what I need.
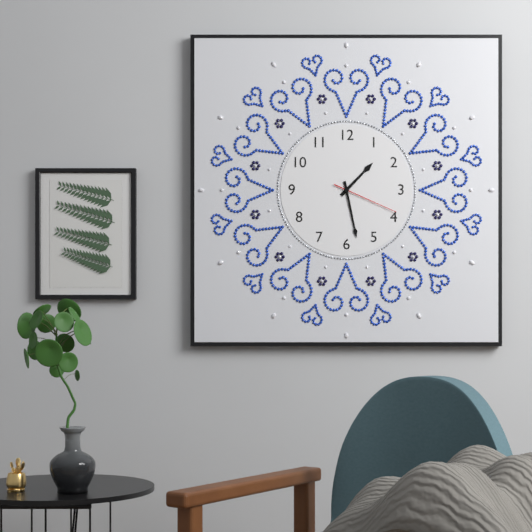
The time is h=1 m=28 s=19
